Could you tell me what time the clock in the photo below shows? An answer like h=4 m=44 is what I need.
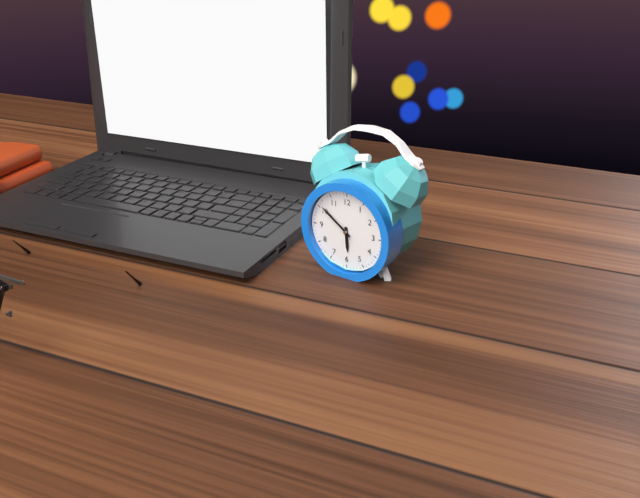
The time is h=5 m=51
